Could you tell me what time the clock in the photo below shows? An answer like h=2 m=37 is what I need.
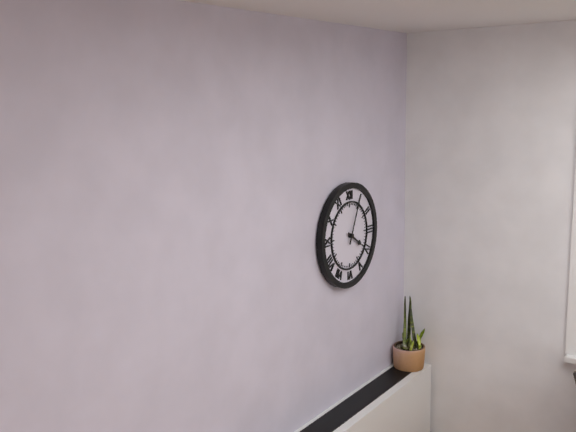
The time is h=4 m=4
